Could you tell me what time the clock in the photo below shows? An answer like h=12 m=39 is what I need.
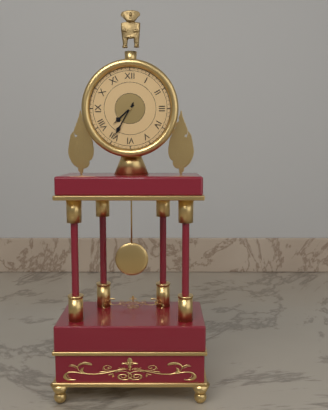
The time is h=7 m=35
